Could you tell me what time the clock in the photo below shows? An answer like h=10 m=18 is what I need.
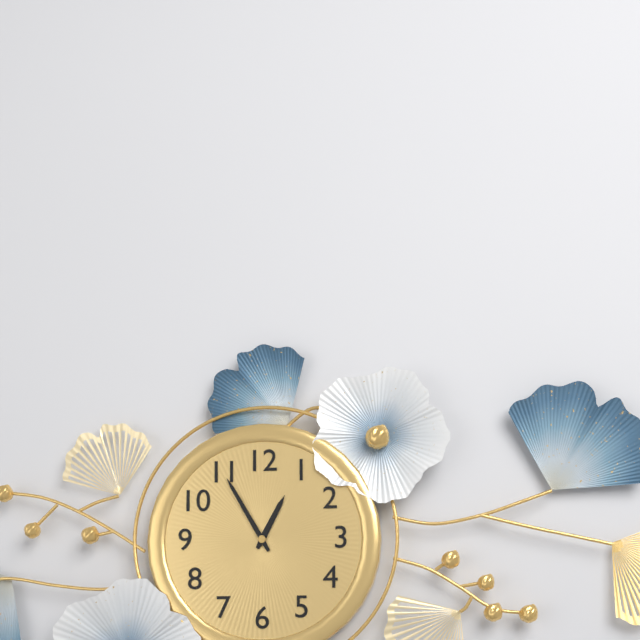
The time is h=12 m=55
